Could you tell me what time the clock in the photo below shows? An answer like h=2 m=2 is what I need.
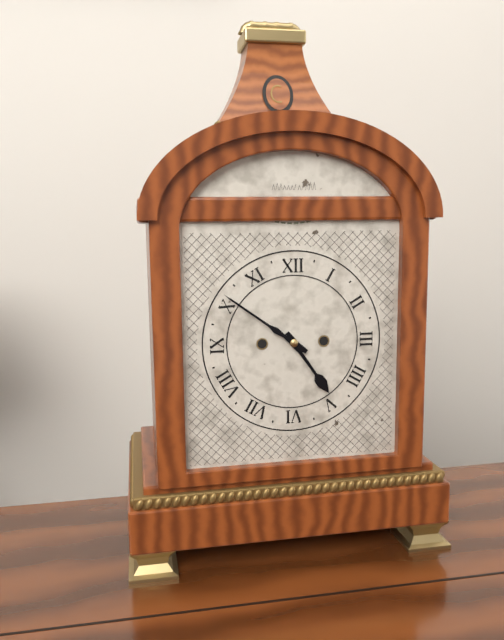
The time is h=4 m=51
